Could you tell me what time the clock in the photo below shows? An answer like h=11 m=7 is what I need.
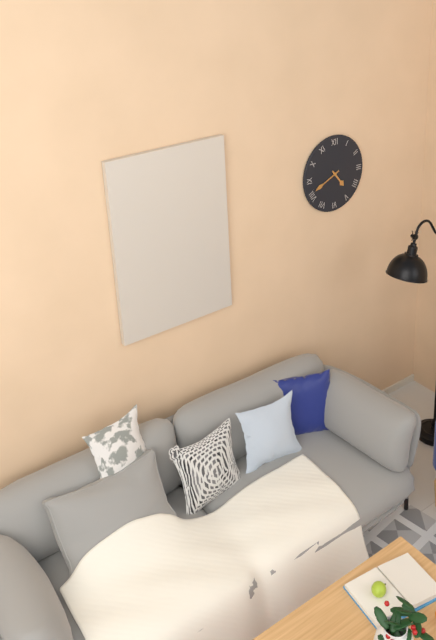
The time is h=4 m=41
